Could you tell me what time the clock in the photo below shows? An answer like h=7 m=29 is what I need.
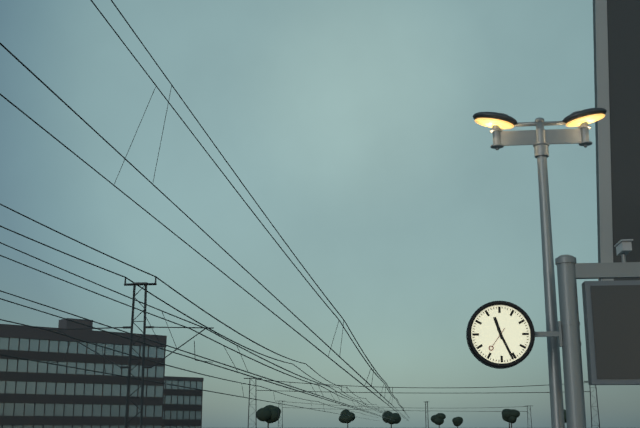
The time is h=11 m=26
